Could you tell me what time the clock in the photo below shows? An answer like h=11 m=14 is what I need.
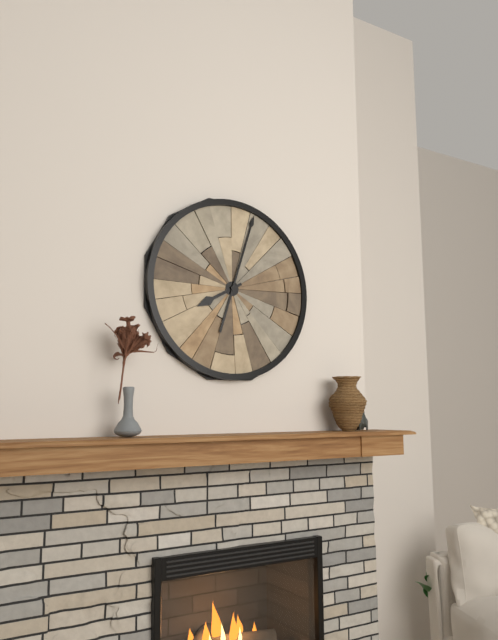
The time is h=8 m=3
